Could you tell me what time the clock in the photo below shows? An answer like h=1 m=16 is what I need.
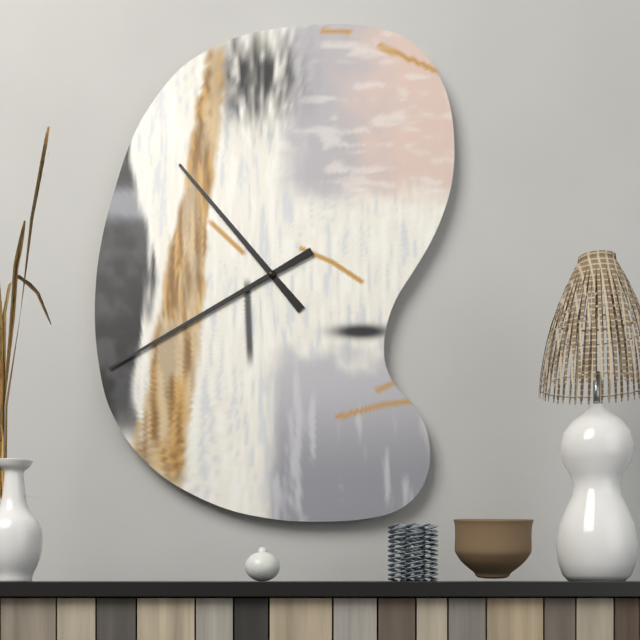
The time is h=10 m=40
